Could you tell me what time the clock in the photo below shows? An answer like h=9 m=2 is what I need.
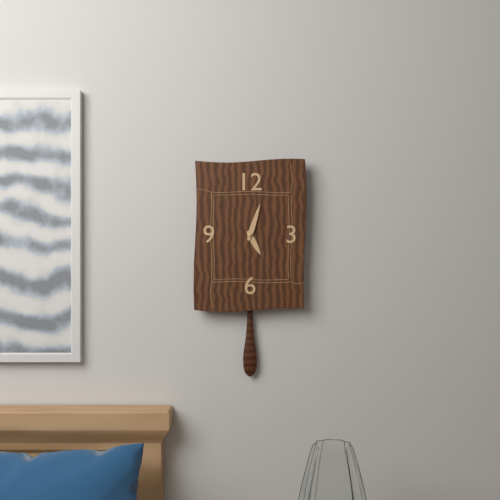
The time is h=5 m=3
